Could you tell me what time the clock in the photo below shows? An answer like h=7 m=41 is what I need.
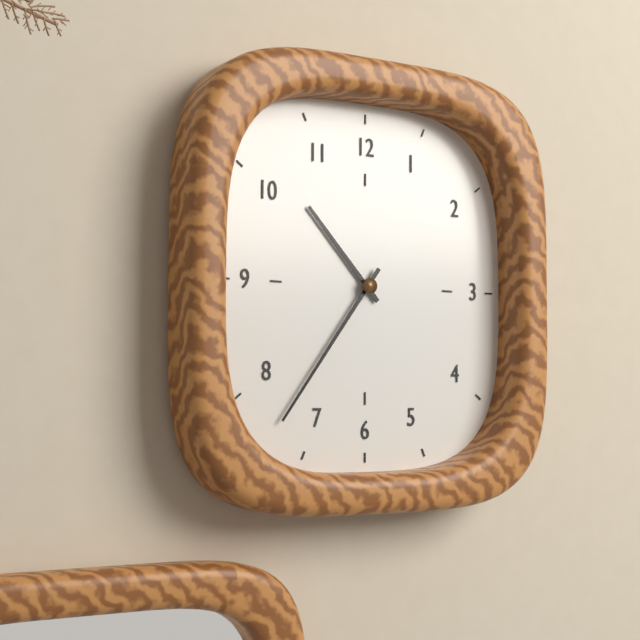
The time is h=10 m=36
